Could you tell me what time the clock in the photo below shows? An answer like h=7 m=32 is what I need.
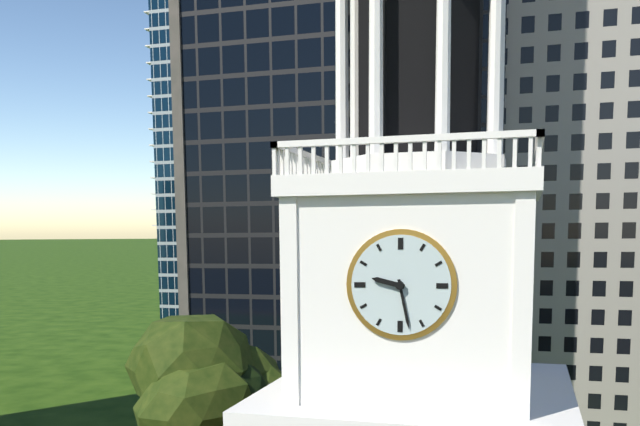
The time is h=9 m=28
